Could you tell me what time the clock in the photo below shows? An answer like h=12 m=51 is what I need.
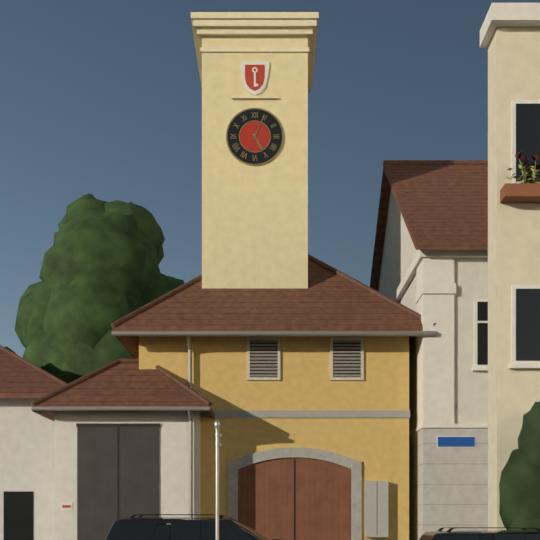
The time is h=5 m=4
